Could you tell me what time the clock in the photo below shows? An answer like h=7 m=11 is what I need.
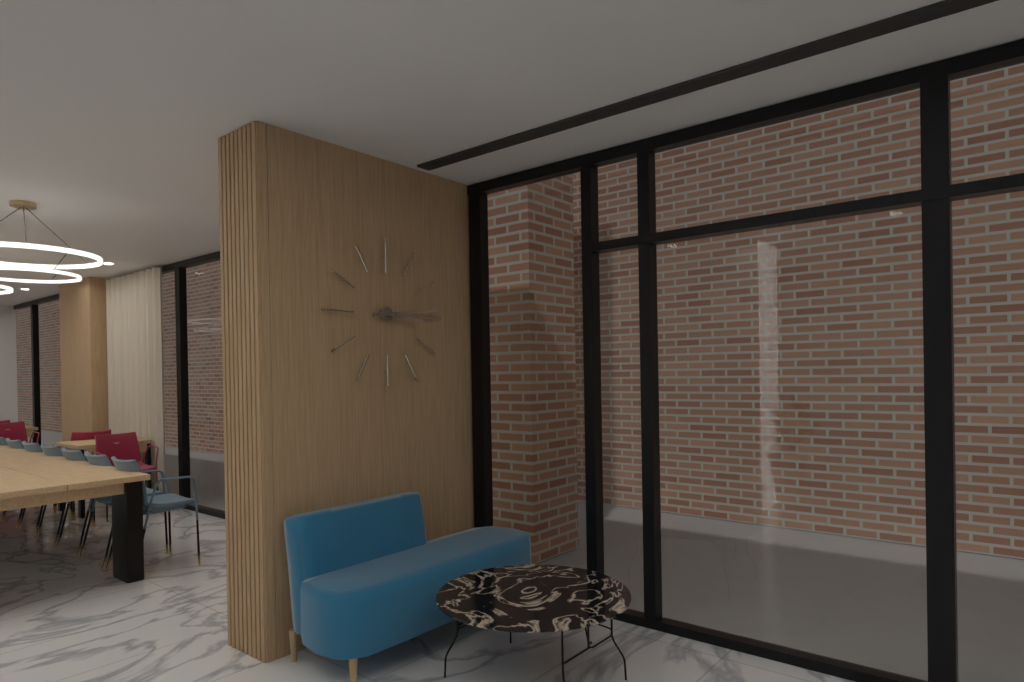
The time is h=3 m=14
